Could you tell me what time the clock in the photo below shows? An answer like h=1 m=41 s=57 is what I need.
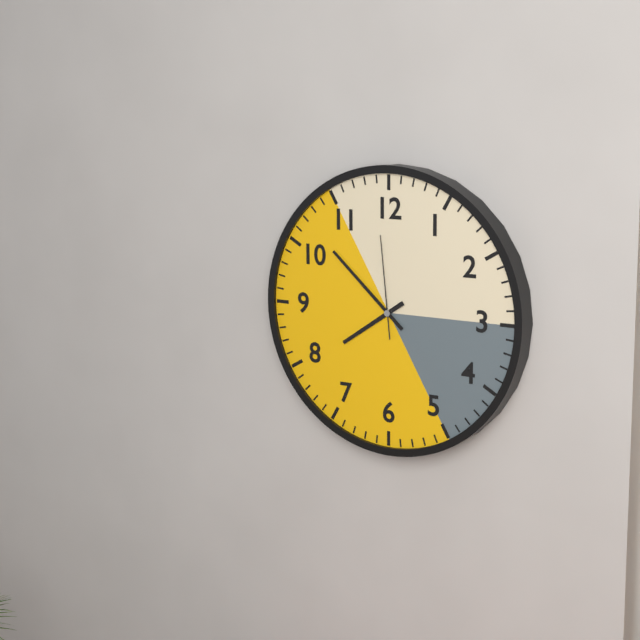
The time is h=7 m=52 s=59
